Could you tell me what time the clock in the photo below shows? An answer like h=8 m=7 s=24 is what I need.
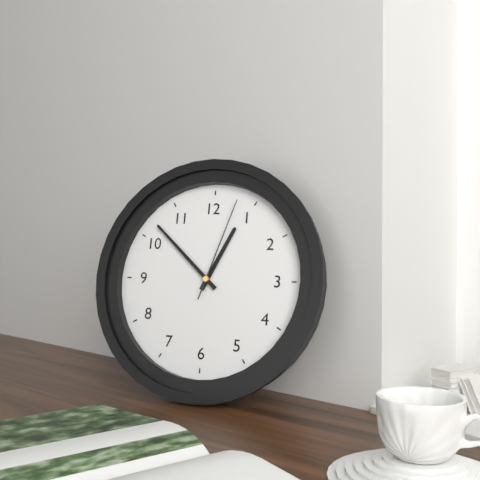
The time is h=12 m=52 s=3
